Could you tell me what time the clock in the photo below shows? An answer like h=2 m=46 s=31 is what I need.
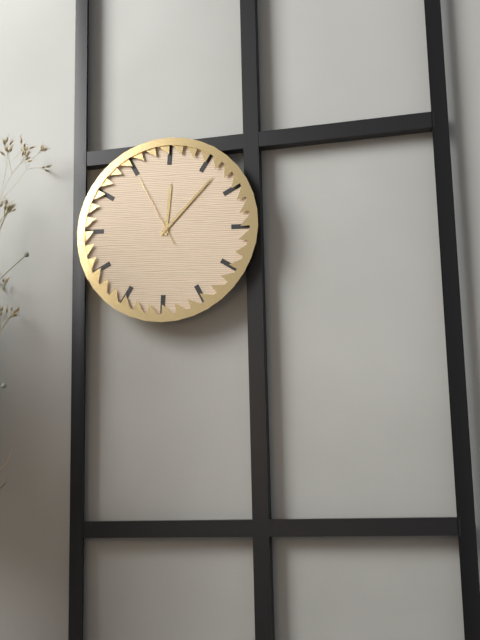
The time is h=12 m=7 s=55
